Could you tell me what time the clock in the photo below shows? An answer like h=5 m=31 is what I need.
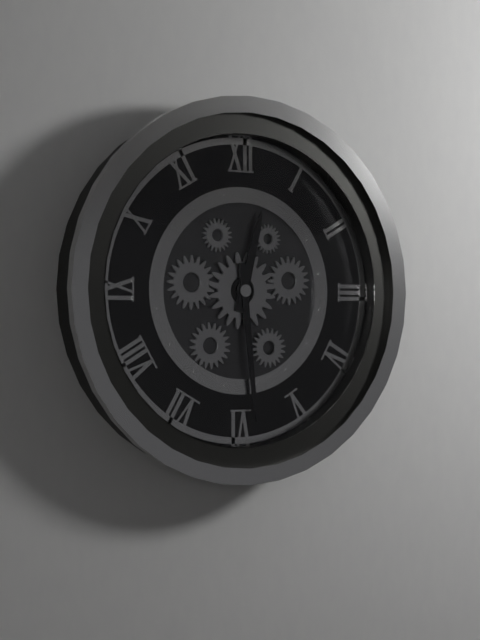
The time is h=12 m=29
